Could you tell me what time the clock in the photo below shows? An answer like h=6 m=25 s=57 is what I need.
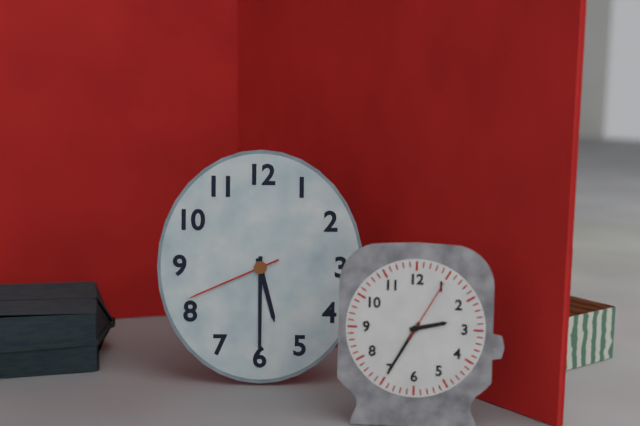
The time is h=5 m=30 s=41
